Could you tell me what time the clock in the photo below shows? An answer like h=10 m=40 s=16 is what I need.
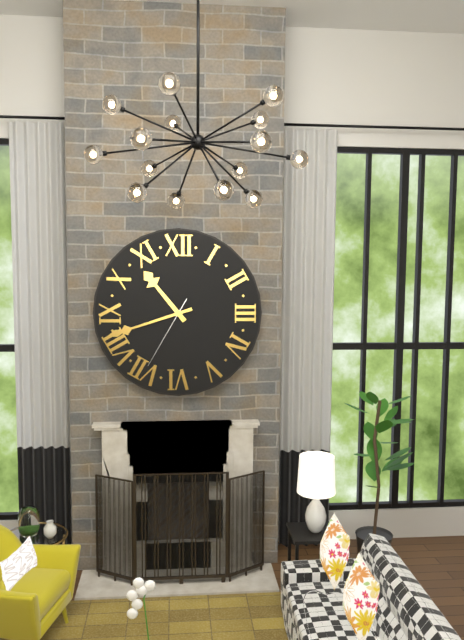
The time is h=10 m=42 s=35
